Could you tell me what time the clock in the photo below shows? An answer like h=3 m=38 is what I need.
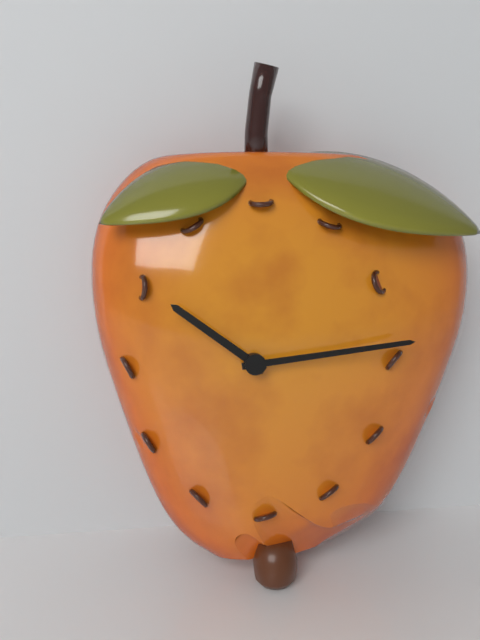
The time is h=10 m=14
